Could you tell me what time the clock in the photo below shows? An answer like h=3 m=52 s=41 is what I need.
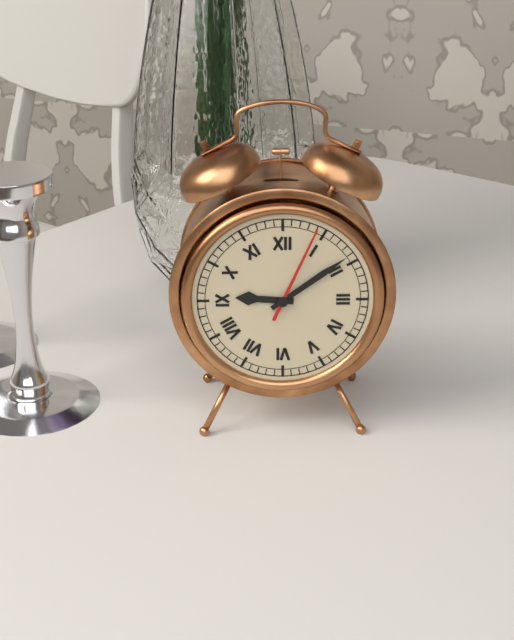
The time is h=9 m=9 s=4
